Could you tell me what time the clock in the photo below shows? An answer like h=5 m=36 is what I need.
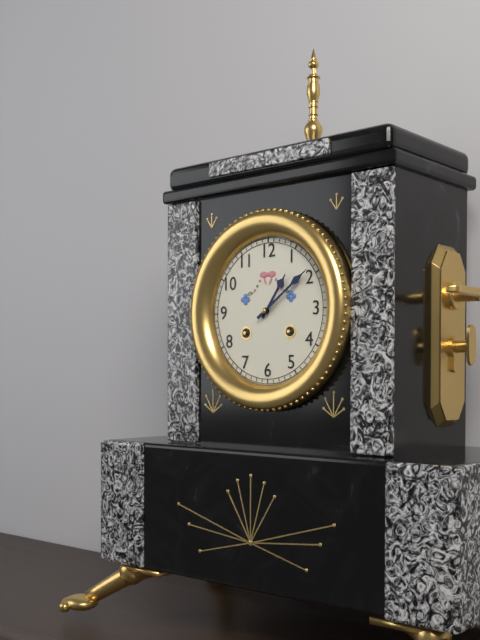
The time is h=1 m=9
